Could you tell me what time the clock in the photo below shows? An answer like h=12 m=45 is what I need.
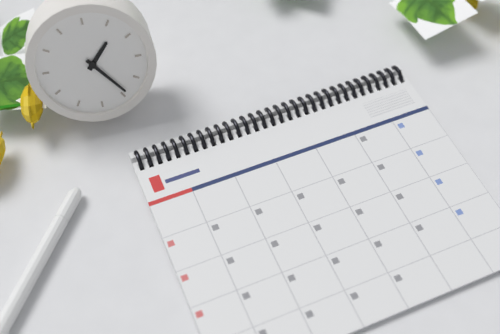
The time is h=1 m=24
